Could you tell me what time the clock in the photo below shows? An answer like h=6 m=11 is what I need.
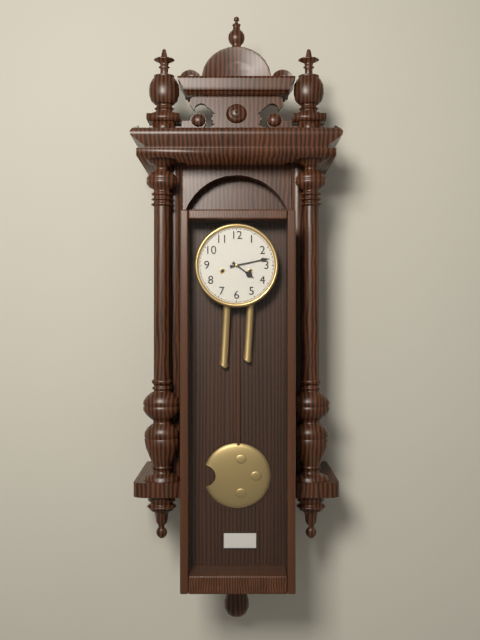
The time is h=4 m=13
